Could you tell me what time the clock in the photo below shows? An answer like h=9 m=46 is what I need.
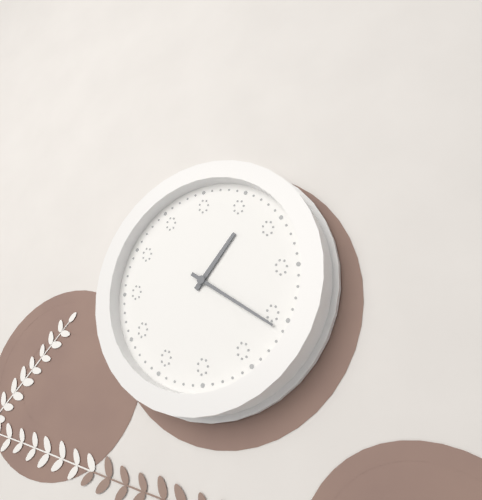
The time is h=1 m=21
